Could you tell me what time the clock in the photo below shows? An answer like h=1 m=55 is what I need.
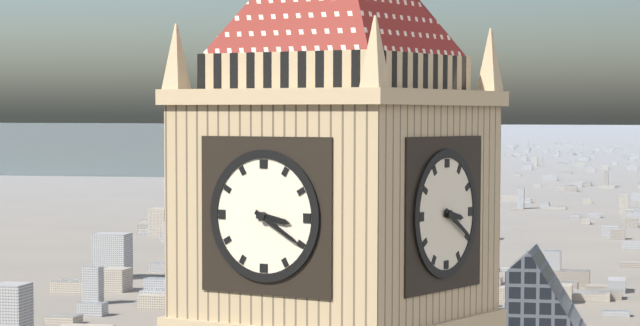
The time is h=3 m=20
